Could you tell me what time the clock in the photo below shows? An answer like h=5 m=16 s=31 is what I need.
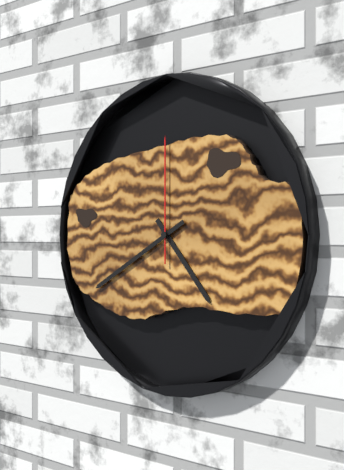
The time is h=4 m=40 s=0
